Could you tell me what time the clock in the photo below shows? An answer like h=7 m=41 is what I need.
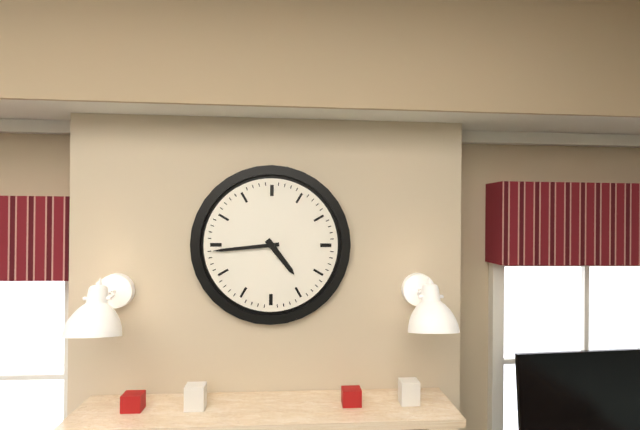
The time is h=4 m=44
